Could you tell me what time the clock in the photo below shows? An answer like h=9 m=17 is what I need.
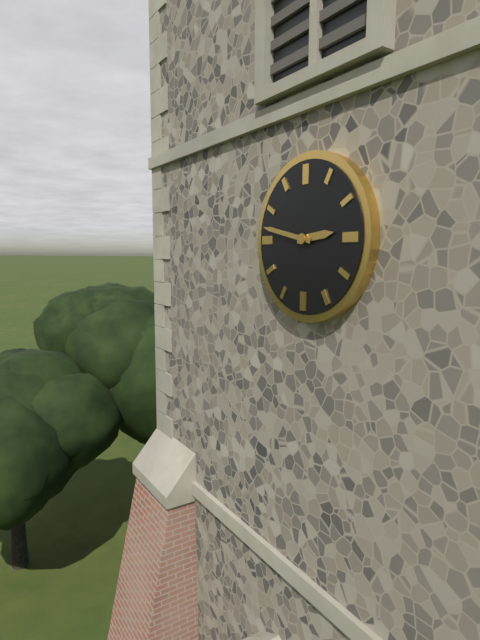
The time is h=2 m=47
